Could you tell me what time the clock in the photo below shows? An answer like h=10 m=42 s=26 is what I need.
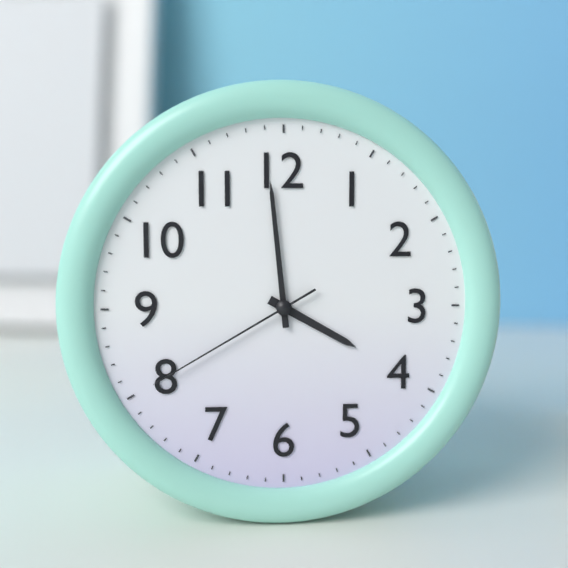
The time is h=3 m=59 s=40
